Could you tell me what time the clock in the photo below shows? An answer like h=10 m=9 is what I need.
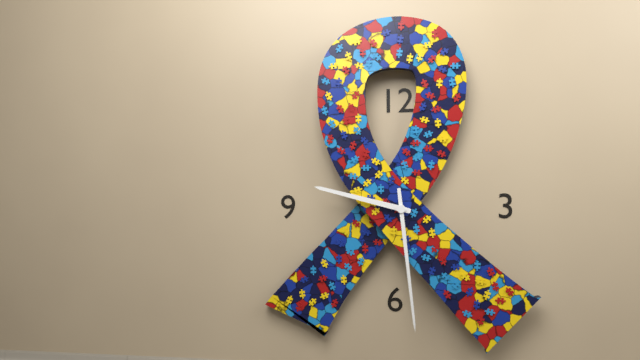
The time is h=9 m=29
